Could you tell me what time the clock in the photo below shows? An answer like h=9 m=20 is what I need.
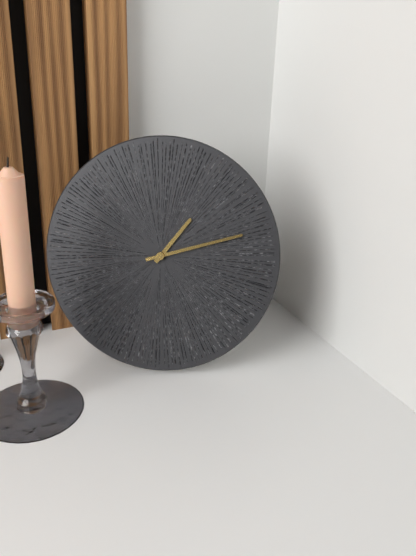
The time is h=1 m=12
